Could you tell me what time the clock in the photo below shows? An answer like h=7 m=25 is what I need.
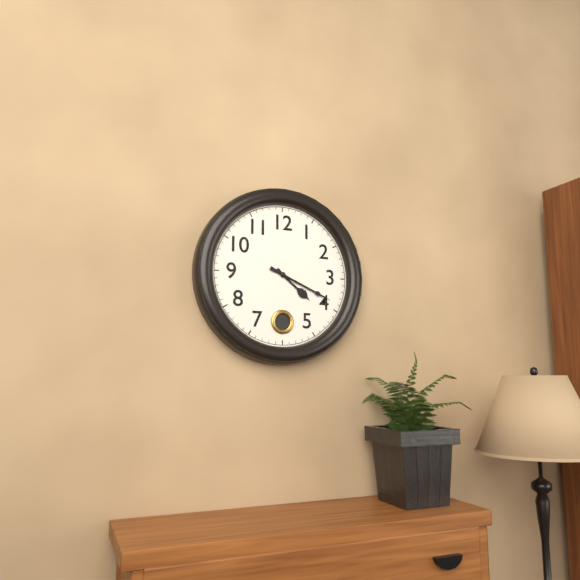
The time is h=4 m=19
